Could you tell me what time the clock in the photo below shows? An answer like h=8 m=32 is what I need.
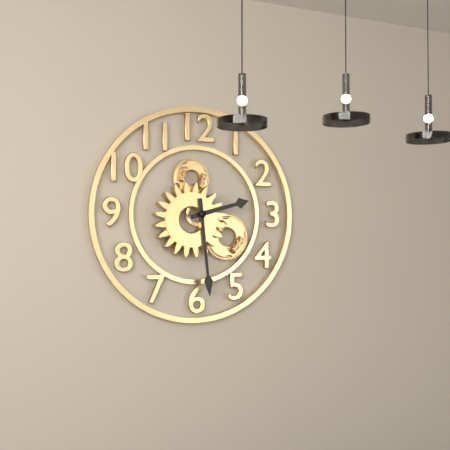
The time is h=2 m=29
